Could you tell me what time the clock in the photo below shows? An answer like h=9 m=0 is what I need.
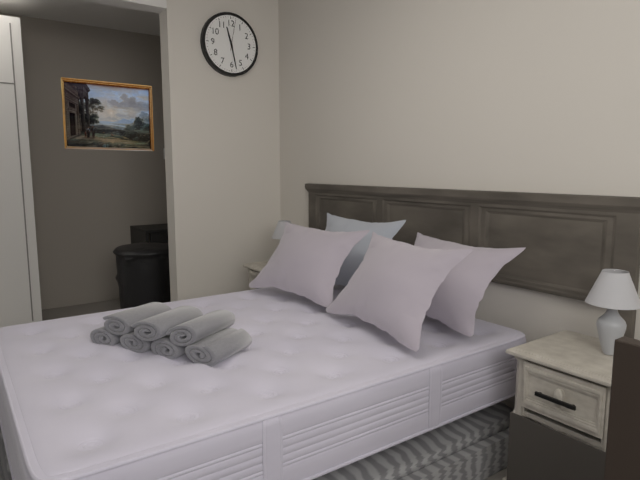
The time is h=11 m=28
